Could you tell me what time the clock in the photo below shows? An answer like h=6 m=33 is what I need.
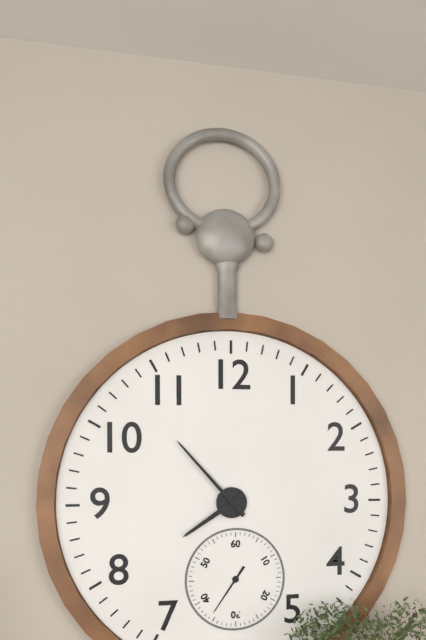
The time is h=7 m=53
